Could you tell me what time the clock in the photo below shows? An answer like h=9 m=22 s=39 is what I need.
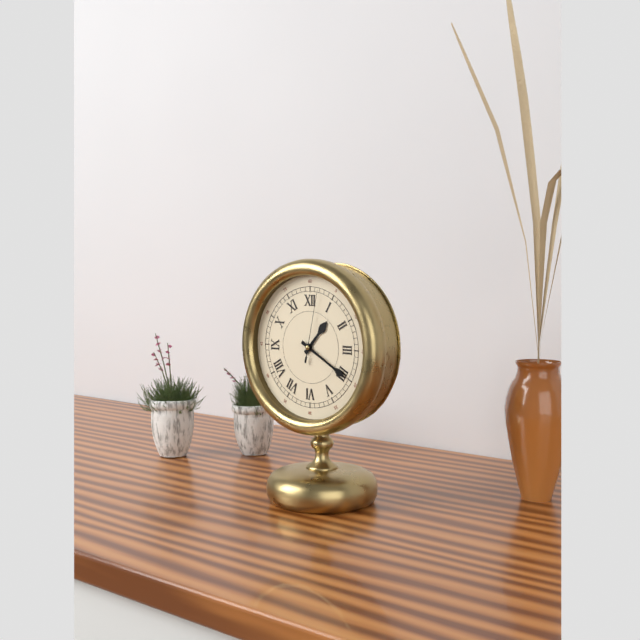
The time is h=1 m=20 s=2
